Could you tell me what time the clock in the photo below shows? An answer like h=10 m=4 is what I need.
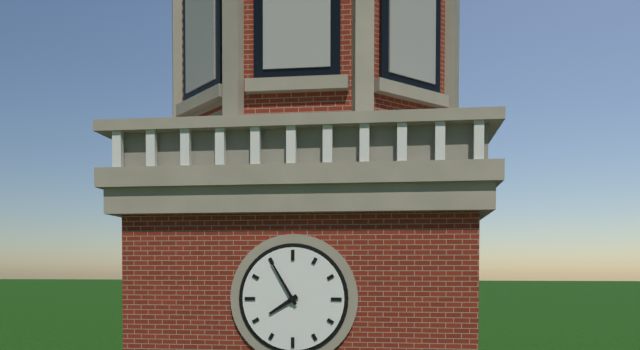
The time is h=7 m=55
